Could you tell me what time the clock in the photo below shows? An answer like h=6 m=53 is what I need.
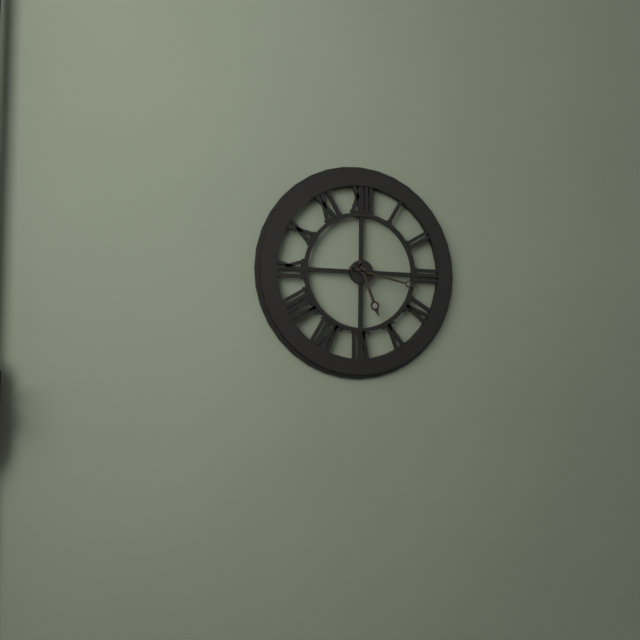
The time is h=5 m=17
